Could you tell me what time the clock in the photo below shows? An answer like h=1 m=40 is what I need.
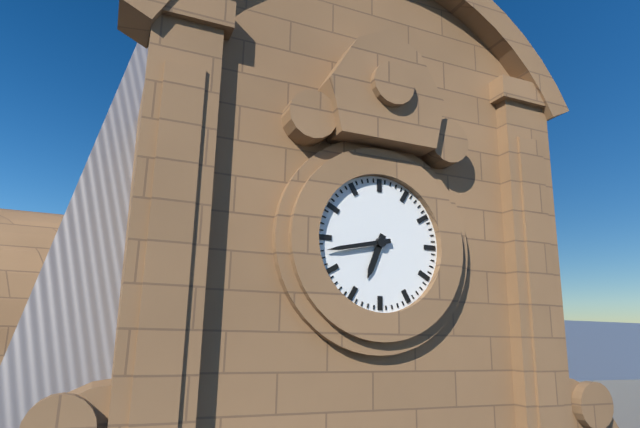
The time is h=6 m=43
